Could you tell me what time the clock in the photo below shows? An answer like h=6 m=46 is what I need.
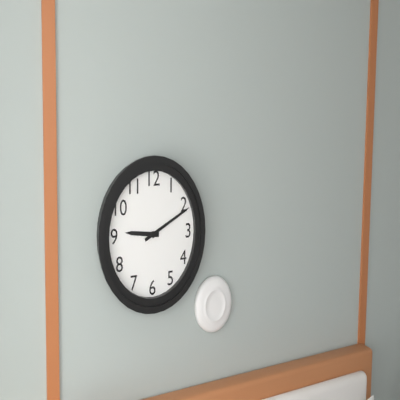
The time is h=9 m=11
